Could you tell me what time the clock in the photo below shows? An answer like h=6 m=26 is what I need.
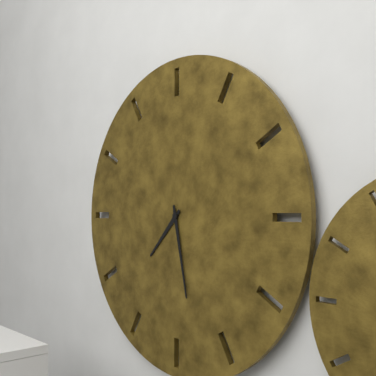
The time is h=7 m=28
